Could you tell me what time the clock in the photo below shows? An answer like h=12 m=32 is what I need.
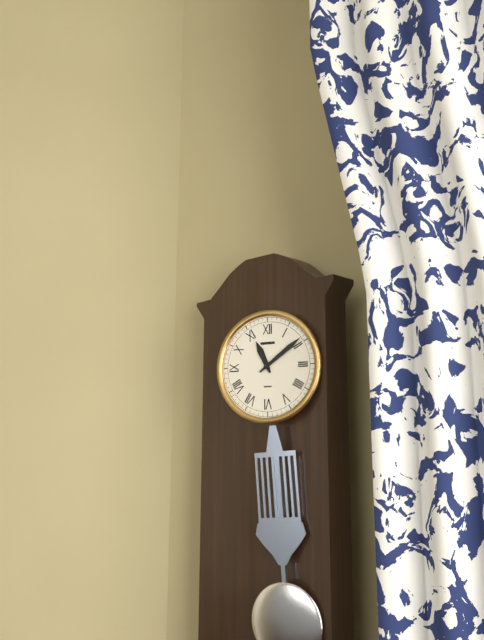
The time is h=11 m=9
